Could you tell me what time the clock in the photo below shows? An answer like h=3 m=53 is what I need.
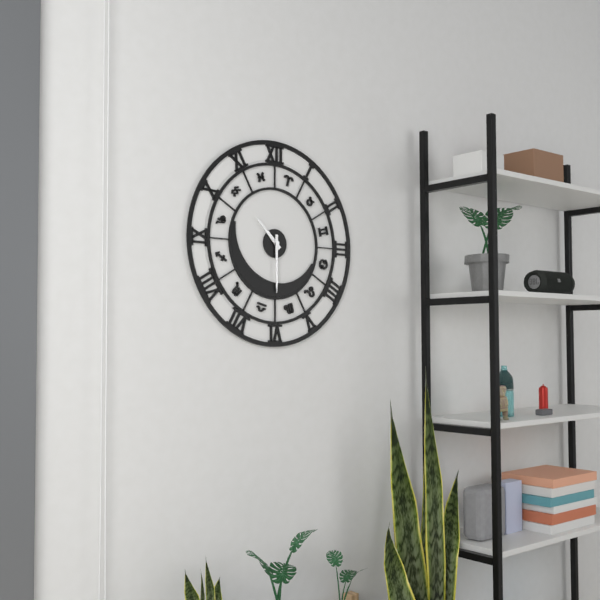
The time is h=10 m=30
